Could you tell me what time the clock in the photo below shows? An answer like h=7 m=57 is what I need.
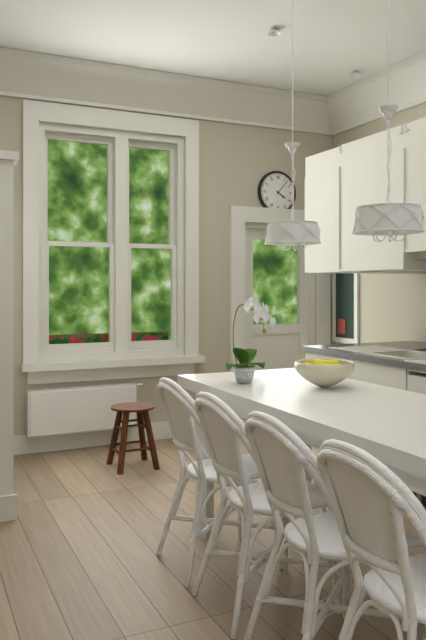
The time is h=4 m=7
